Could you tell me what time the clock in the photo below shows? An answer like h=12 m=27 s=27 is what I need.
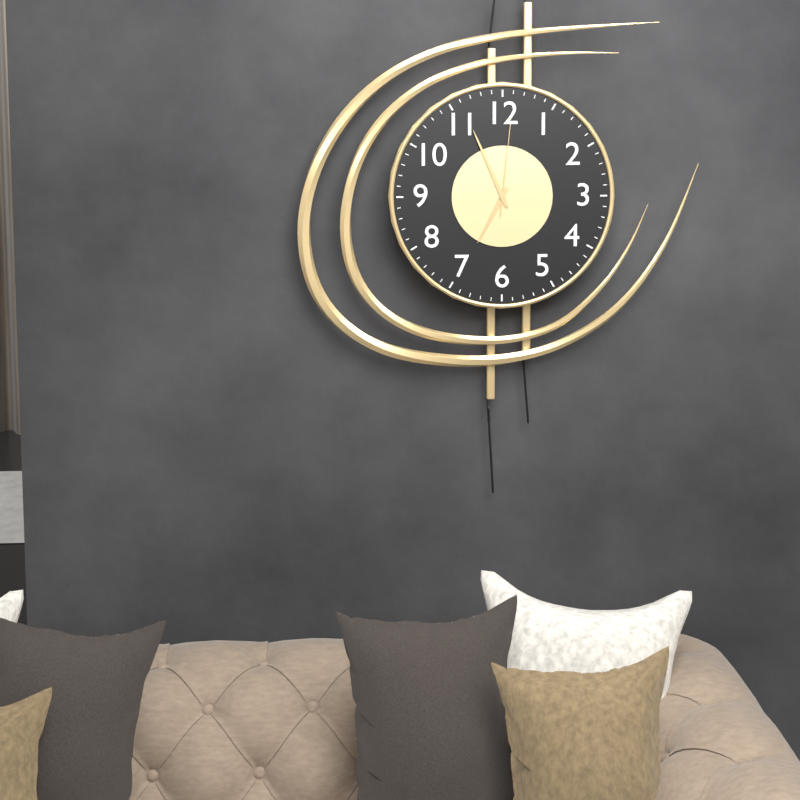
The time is h=6 m=56 s=1
